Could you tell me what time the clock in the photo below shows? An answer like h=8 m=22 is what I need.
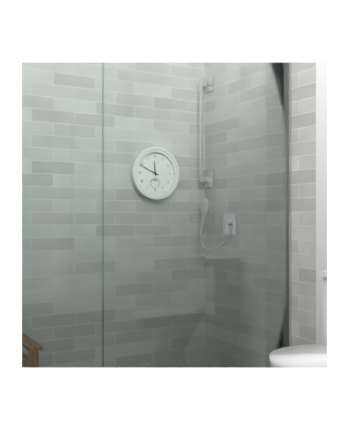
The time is h=11 m=49
